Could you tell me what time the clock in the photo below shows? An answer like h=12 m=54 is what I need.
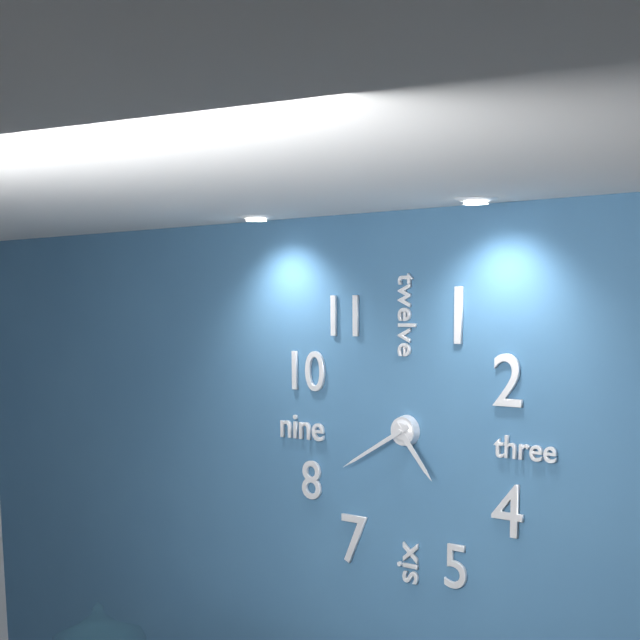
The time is h=4 m=40
